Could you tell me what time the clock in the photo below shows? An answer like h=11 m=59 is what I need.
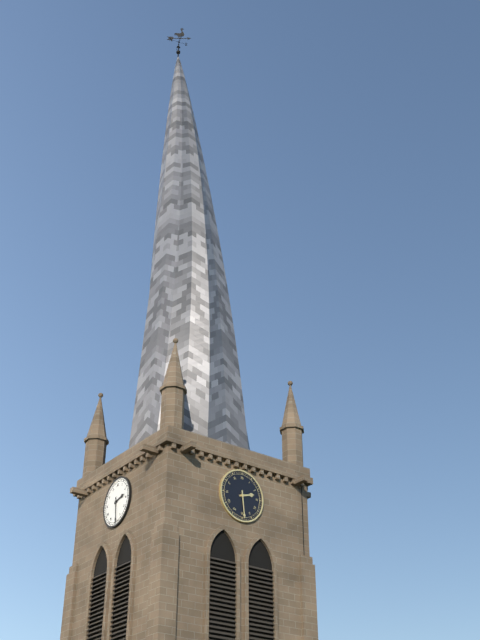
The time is h=2 m=29
